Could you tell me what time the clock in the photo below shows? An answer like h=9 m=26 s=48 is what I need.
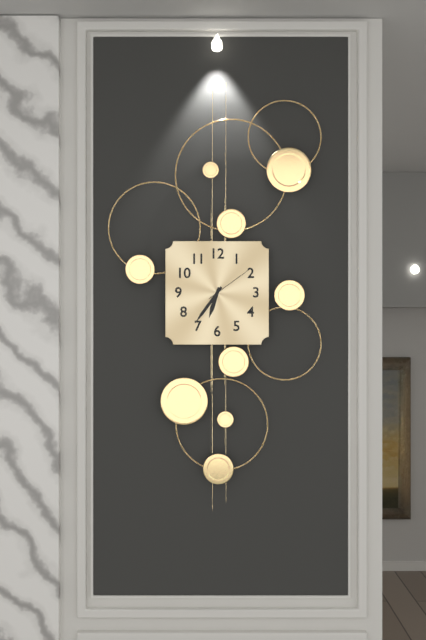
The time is h=6 m=36 s=9
